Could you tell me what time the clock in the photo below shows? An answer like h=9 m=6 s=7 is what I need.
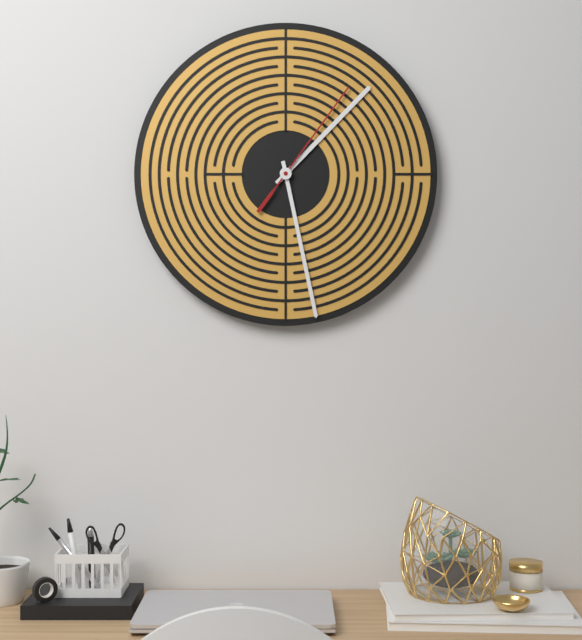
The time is h=1 m=28 s=6
